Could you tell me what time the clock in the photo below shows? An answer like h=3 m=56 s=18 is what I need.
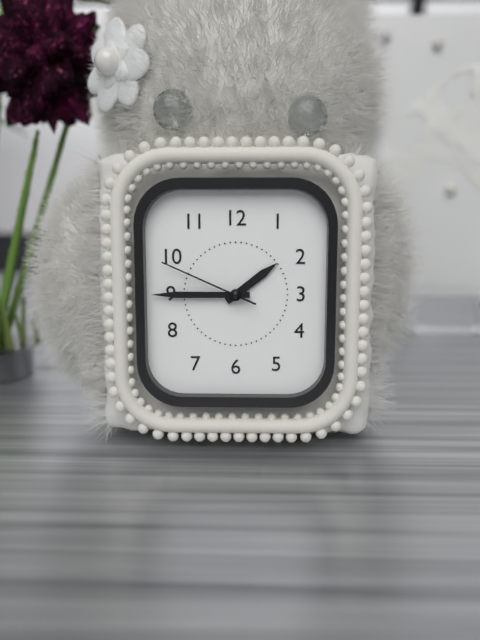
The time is h=1 m=45 s=49
